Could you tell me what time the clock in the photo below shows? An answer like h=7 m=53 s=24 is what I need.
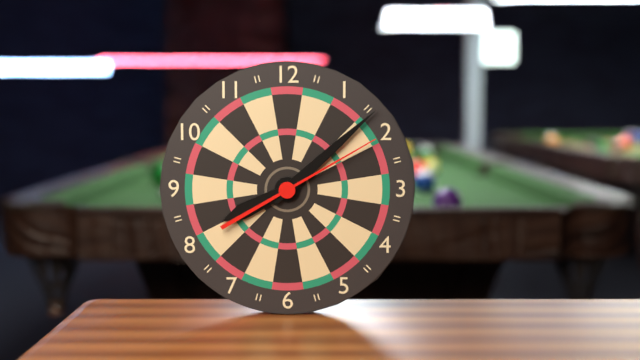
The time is h=8 m=8 s=10
